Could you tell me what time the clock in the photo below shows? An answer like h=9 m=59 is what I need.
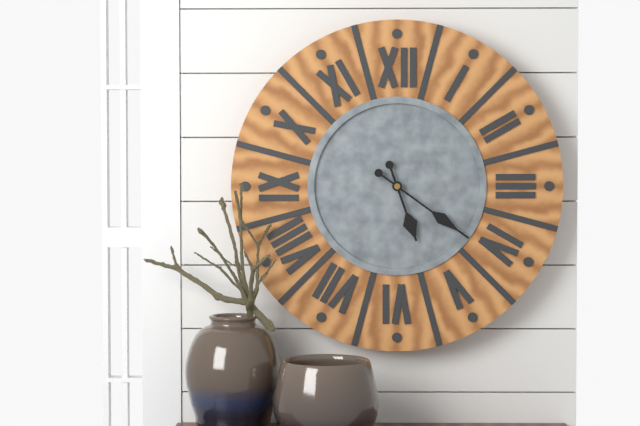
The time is h=5 m=21
